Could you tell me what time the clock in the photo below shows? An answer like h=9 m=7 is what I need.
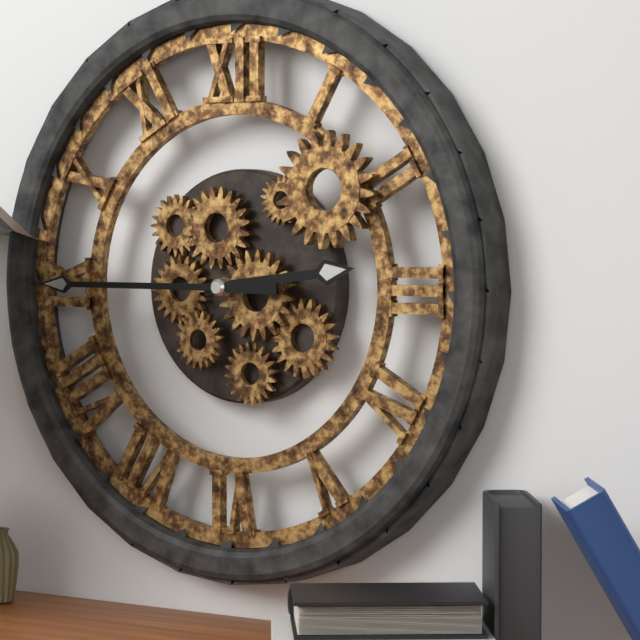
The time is h=2 m=45
